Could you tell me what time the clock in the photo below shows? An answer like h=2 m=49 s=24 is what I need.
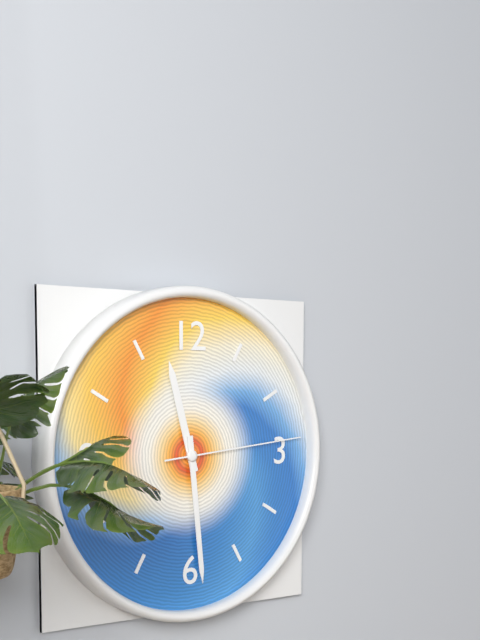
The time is h=11 m=29 s=14
